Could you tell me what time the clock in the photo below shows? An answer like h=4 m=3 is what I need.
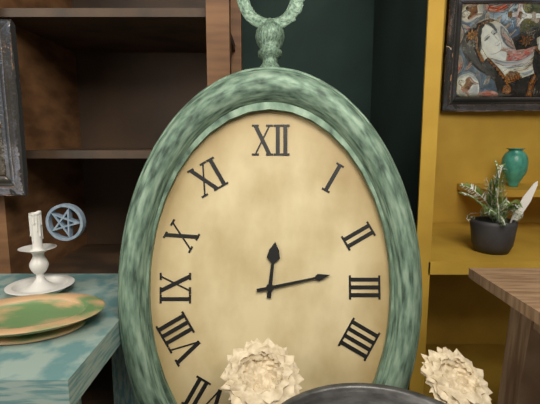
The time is h=12 m=13
